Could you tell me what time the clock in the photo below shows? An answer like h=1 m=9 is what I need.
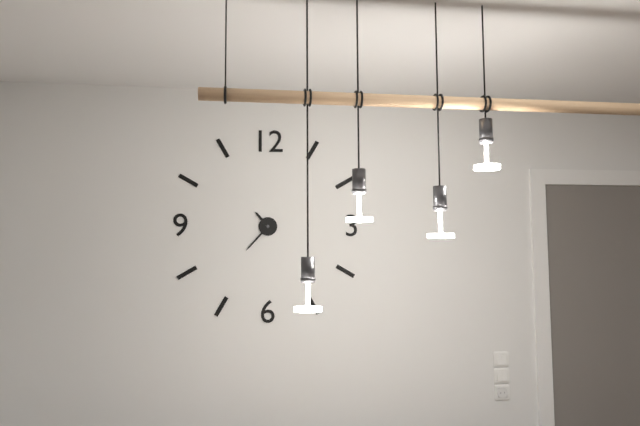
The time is h=10 m=37
